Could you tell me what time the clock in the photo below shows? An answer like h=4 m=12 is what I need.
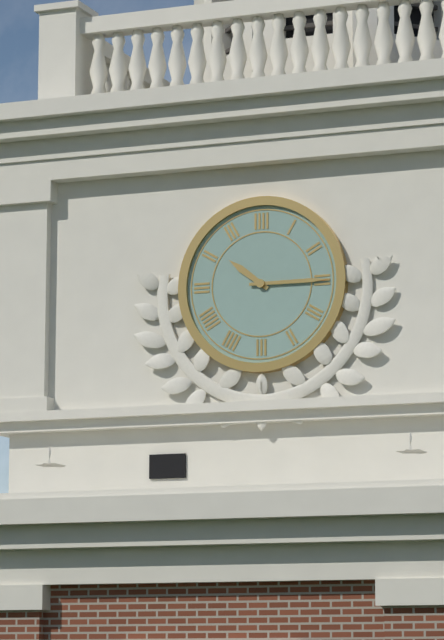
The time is h=10 m=15
